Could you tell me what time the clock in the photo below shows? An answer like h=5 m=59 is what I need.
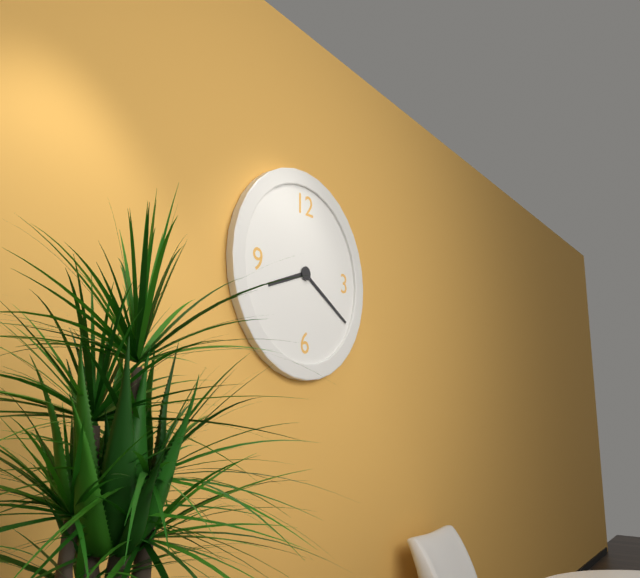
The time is h=8 m=20
